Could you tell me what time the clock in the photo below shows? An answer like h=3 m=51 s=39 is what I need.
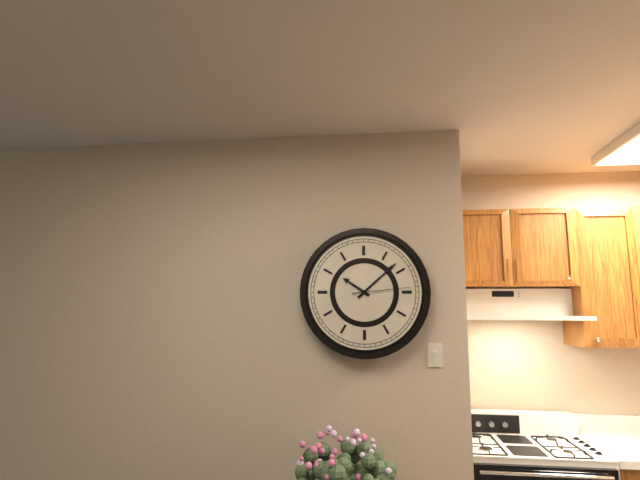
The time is h=10 m=8 s=14
